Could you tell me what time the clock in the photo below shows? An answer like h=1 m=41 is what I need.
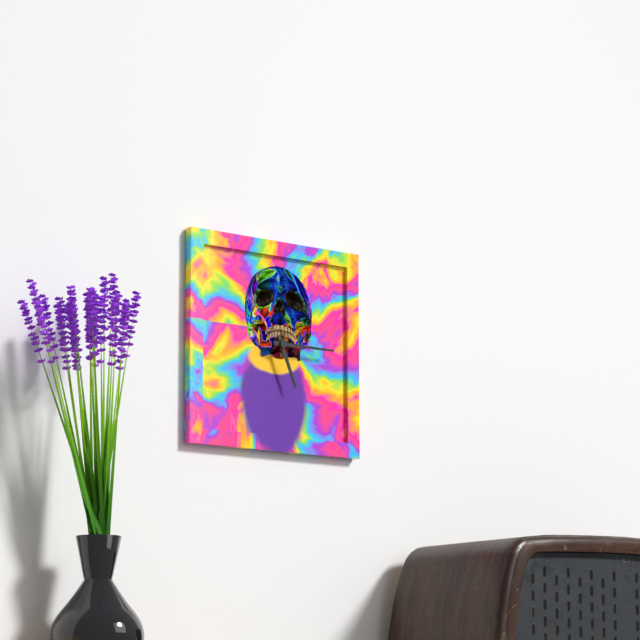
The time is h=5 m=15
